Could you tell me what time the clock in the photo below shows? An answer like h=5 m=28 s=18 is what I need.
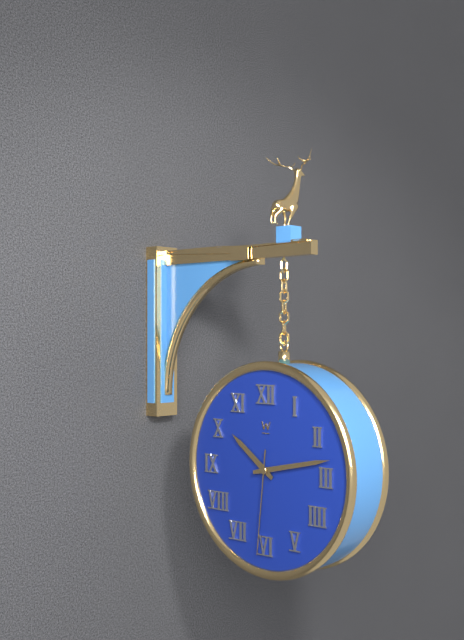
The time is h=10 m=13 s=31
